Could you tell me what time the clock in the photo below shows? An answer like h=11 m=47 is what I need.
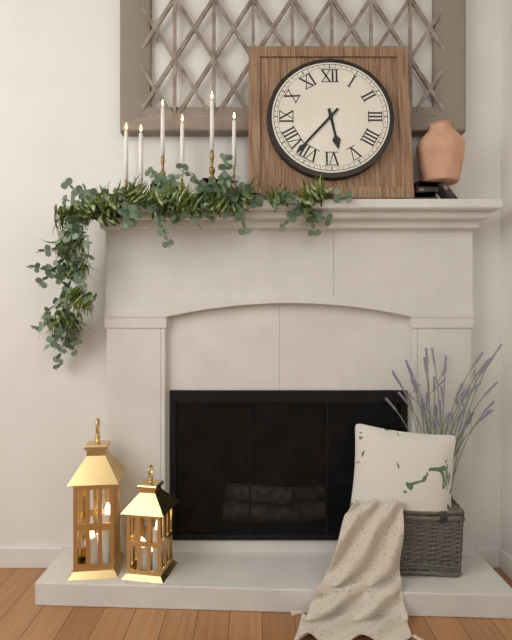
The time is h=5 m=37
